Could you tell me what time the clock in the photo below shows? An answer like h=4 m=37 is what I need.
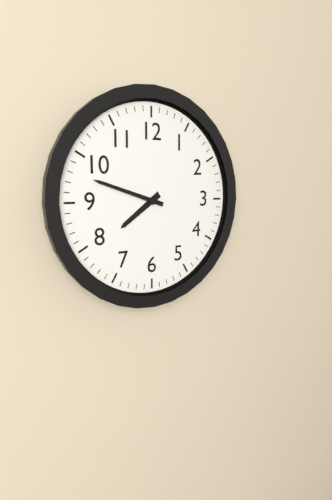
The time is h=7 m=48
